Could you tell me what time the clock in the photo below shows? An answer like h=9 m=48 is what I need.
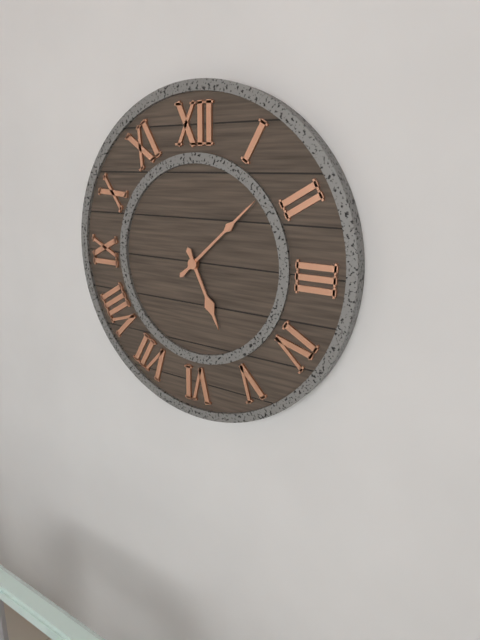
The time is h=5 m=8
